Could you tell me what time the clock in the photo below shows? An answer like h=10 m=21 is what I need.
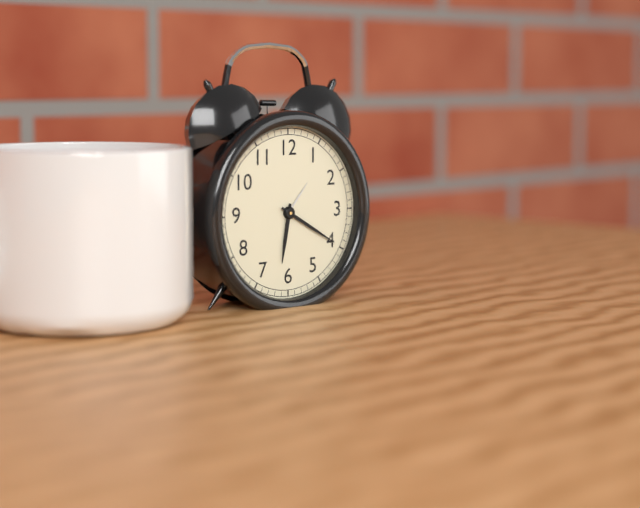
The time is h=6 m=20
